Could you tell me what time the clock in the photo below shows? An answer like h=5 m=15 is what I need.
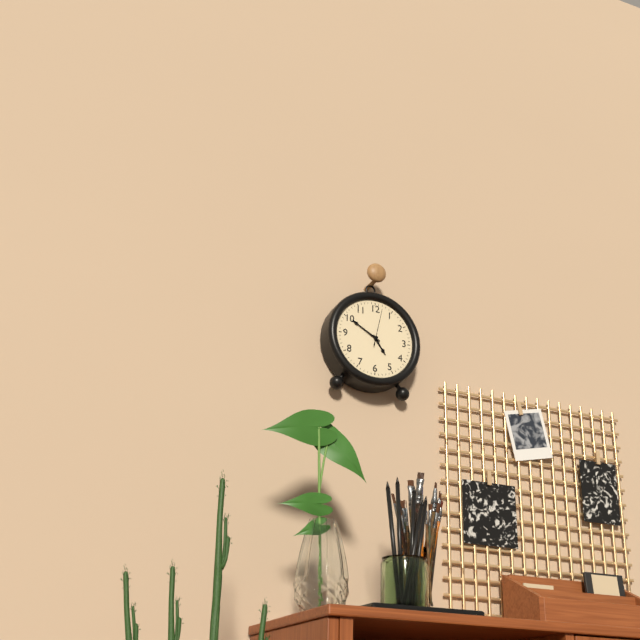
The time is h=4 m=50
